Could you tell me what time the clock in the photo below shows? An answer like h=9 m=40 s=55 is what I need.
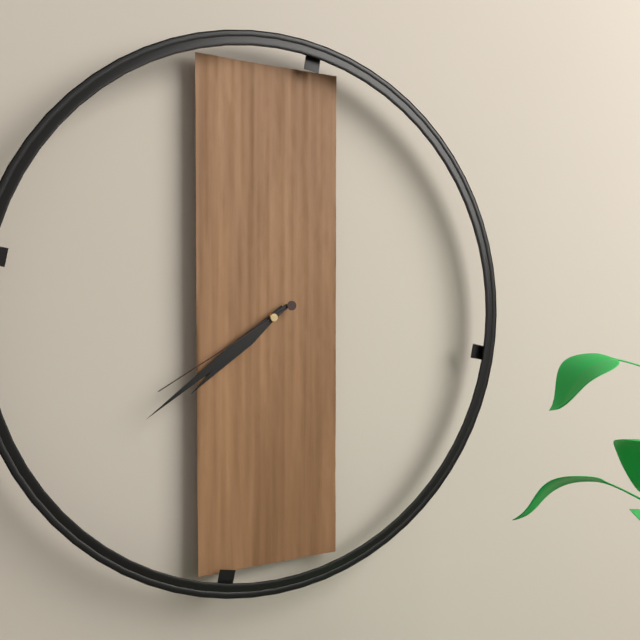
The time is h=7 m=39 s=40
